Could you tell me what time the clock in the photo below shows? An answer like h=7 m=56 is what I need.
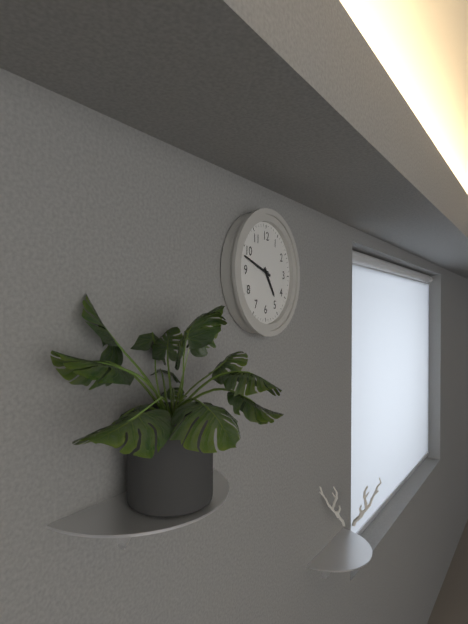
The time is h=4 m=48
